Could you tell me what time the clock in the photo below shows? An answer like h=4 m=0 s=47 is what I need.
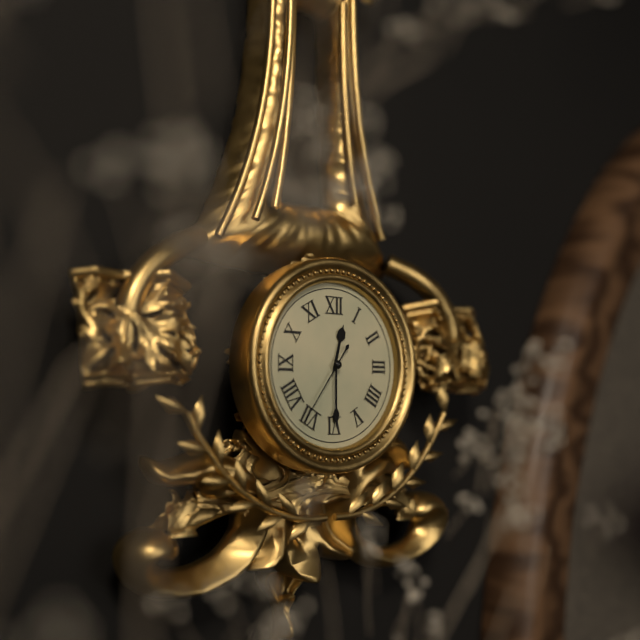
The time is h=12 m=30 s=36
